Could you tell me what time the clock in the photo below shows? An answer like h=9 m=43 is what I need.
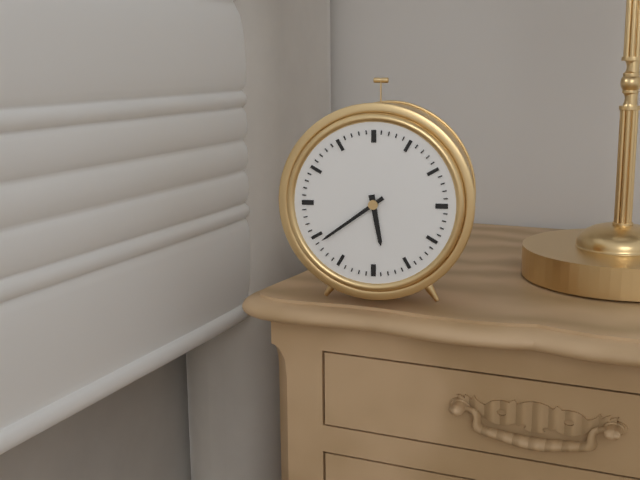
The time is h=5 m=39
